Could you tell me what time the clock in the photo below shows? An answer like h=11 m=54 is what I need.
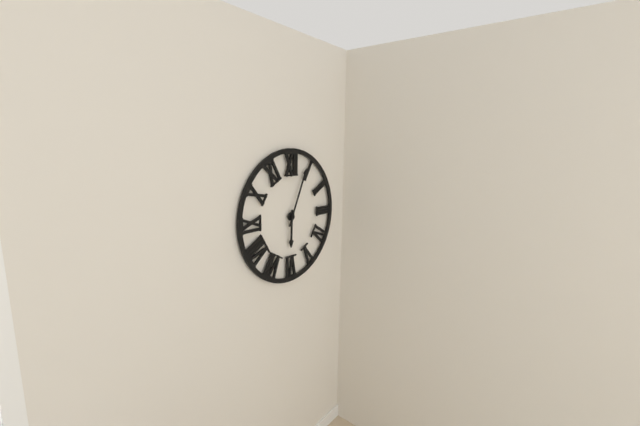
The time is h=6 m=4
